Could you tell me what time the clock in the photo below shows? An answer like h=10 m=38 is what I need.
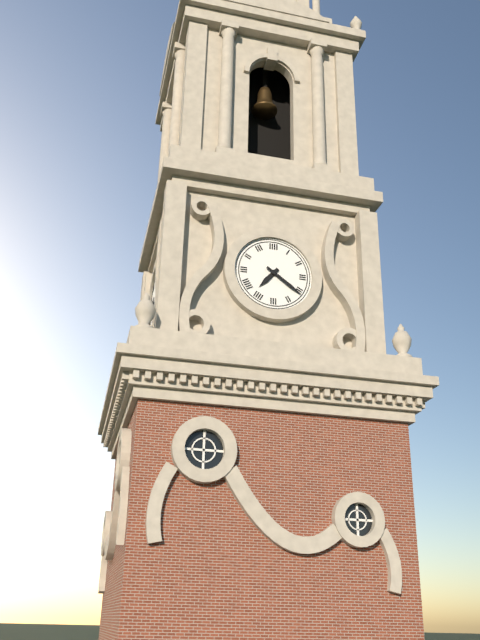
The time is h=7 m=21
